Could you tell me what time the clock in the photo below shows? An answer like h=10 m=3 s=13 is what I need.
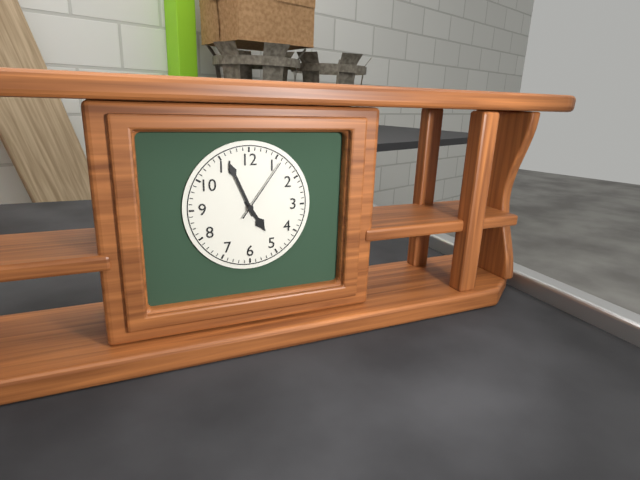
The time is h=4 m=56 s=6
